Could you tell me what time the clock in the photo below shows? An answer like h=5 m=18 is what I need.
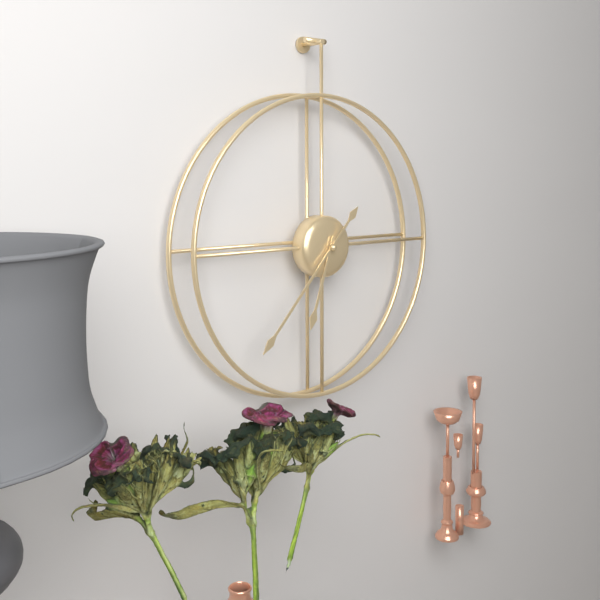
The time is h=6 m=37
